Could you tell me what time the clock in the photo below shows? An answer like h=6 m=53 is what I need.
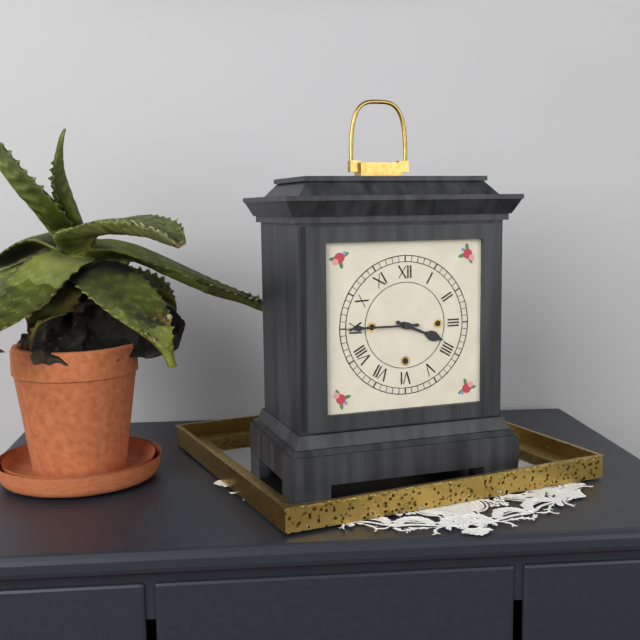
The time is h=3 m=45
